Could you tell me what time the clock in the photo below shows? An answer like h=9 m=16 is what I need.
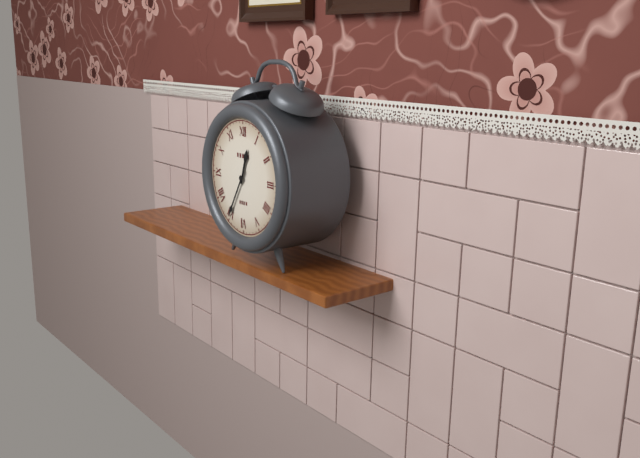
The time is h=12 m=35
